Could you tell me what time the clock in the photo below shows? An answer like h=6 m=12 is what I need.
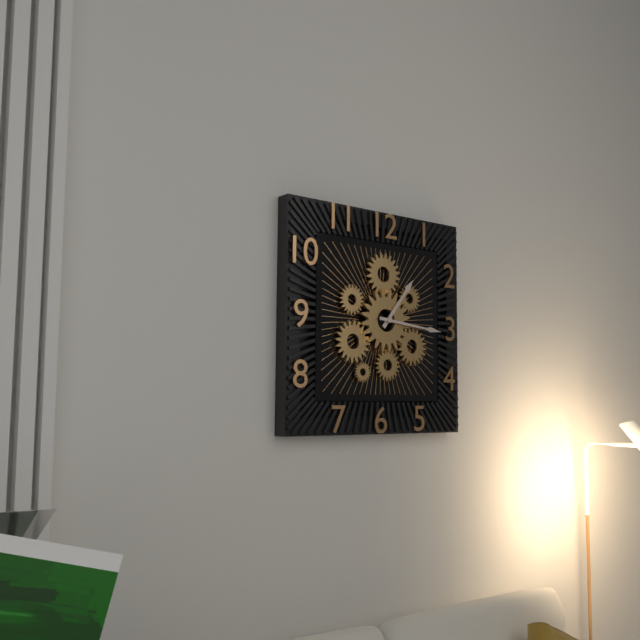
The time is h=1 m=16
